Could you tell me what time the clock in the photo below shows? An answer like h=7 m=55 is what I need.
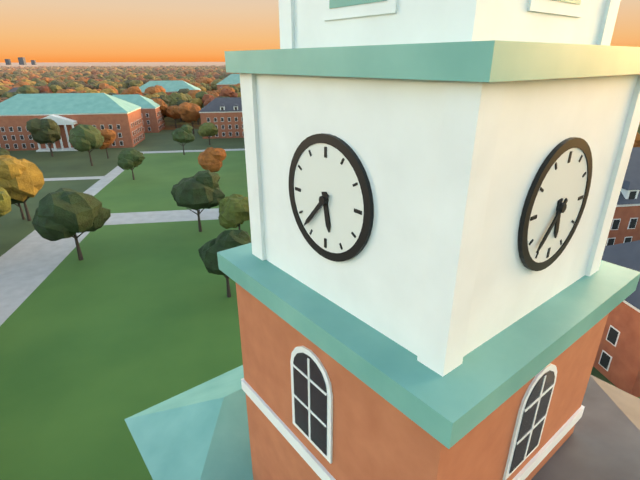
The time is h=5 m=37
